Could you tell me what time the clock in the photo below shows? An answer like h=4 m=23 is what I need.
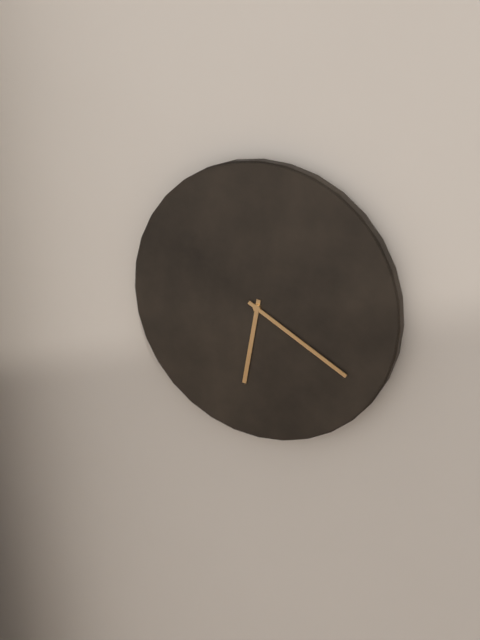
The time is h=6 m=20
